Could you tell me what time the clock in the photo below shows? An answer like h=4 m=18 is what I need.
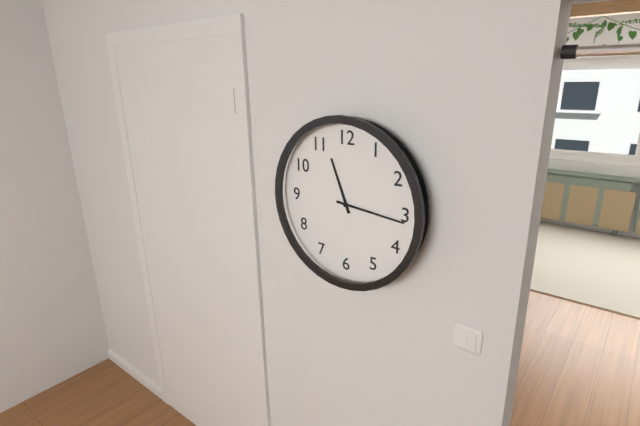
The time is h=11 m=16
